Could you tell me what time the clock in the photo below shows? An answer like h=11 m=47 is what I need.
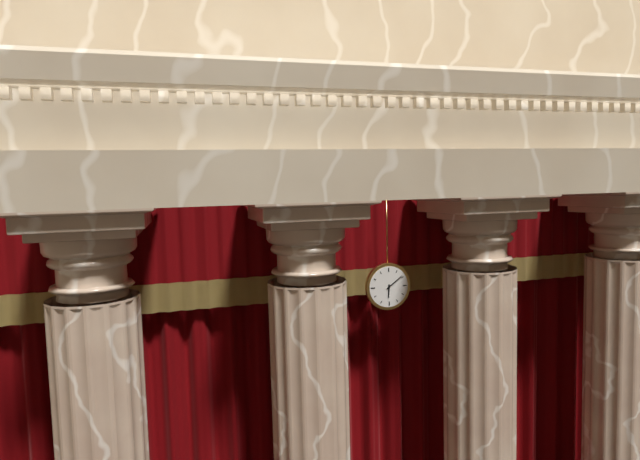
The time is h=6 m=9
